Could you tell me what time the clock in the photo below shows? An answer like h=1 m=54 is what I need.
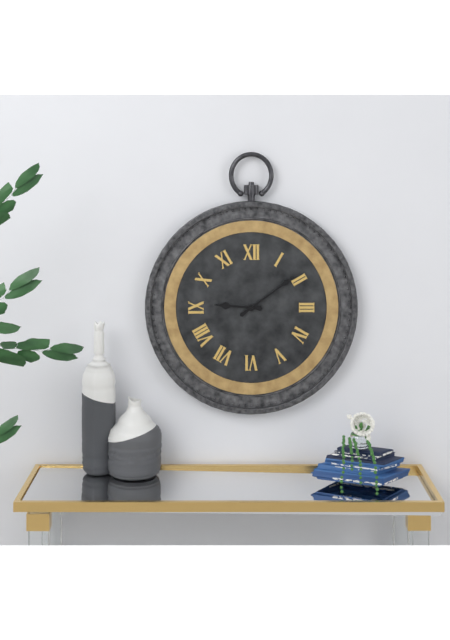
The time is h=9 m=9
